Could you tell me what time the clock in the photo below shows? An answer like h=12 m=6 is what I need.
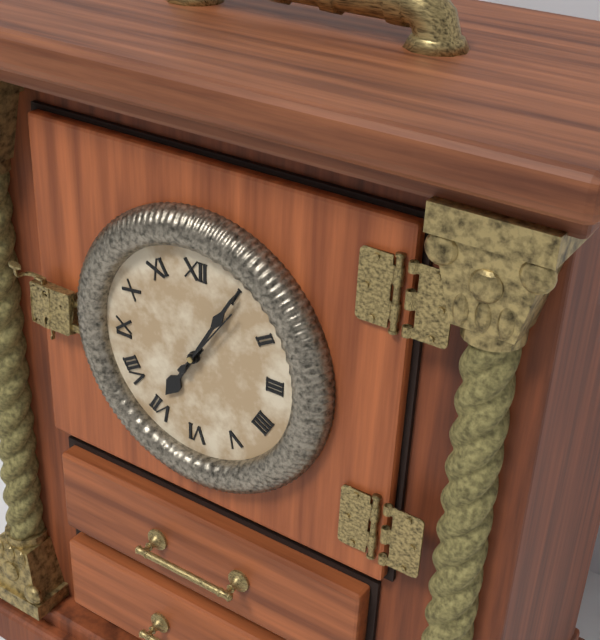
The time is h=7 m=5
